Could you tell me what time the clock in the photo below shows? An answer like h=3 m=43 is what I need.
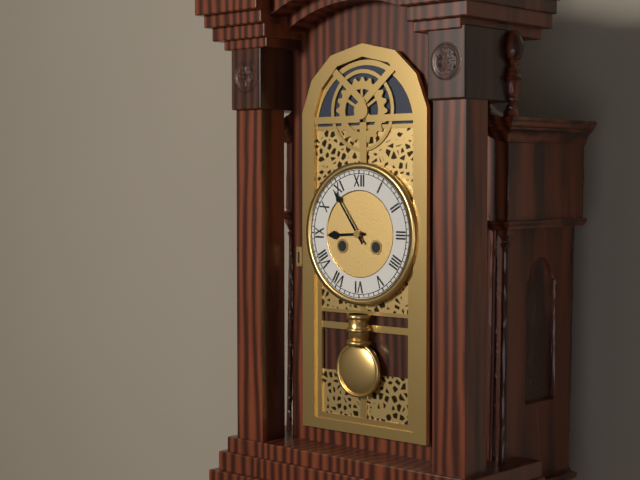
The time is h=8 m=54
